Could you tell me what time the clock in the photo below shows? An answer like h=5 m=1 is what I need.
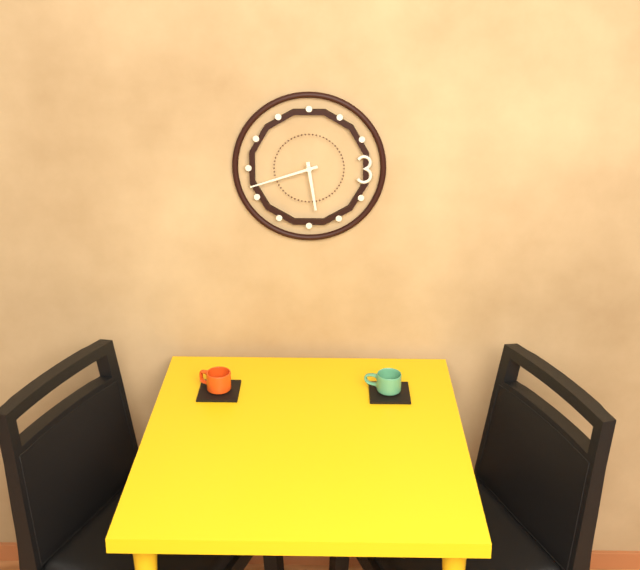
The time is h=5 m=42
